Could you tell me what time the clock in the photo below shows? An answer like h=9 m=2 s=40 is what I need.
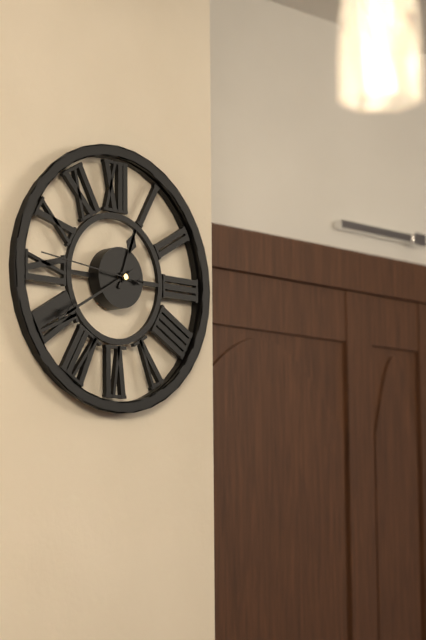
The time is h=12 m=40 s=46
